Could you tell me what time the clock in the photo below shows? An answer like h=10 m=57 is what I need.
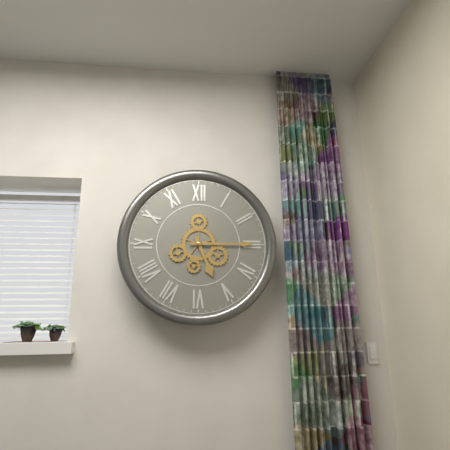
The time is h=5 m=15
